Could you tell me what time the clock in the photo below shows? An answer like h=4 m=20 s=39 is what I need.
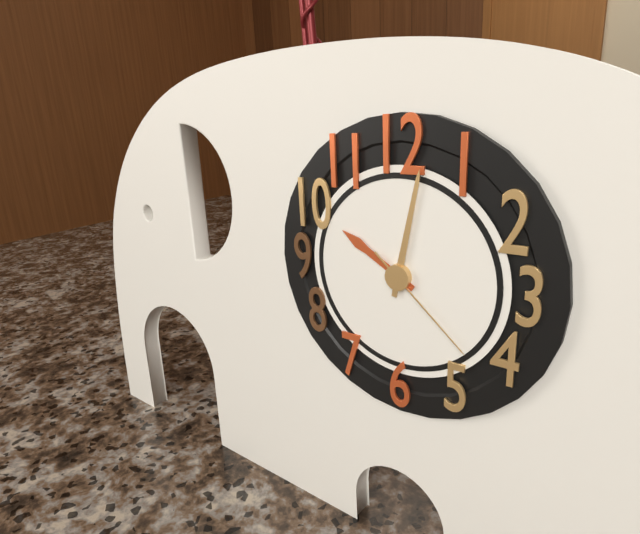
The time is h=10 m=2 s=22
